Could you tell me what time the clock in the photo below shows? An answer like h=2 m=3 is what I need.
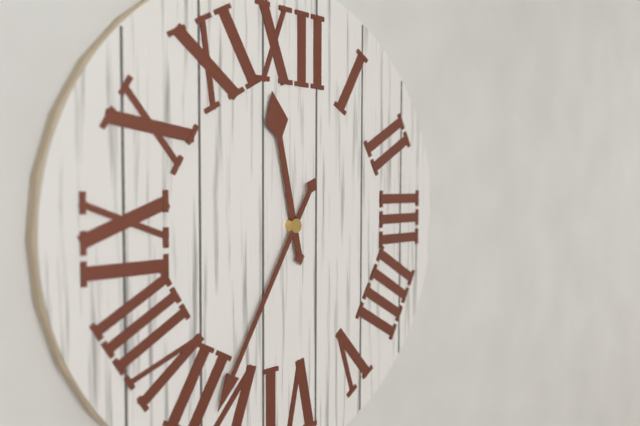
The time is h=11 m=35
